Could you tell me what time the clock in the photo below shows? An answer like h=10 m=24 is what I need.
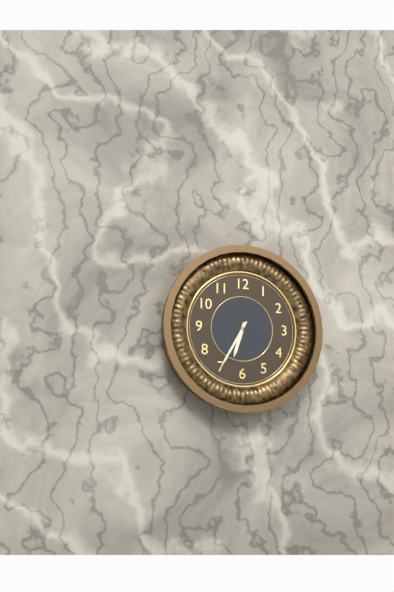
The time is h=6 m=35
